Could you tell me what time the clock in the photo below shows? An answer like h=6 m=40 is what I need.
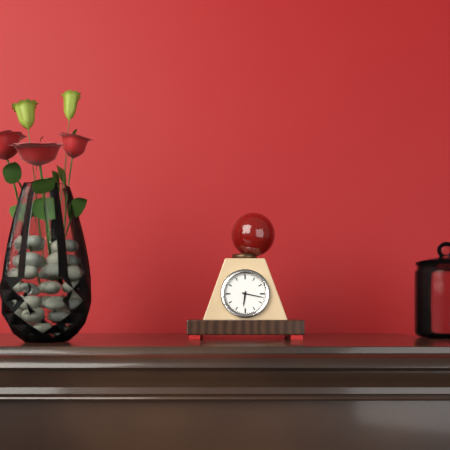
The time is h=6 m=17
